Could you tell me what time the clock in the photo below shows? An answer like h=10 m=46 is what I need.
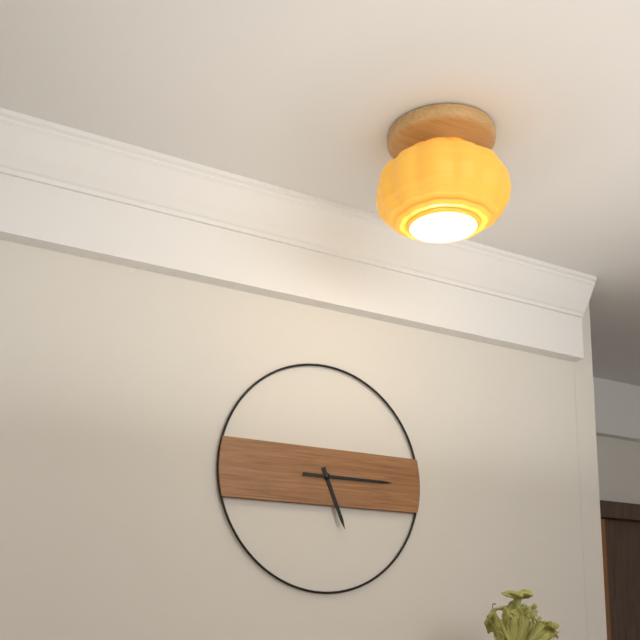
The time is h=5 m=15
